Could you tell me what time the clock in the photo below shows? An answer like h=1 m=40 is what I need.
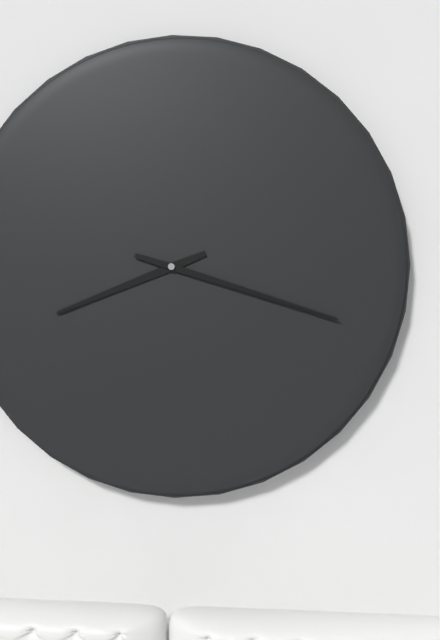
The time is h=8 m=18
